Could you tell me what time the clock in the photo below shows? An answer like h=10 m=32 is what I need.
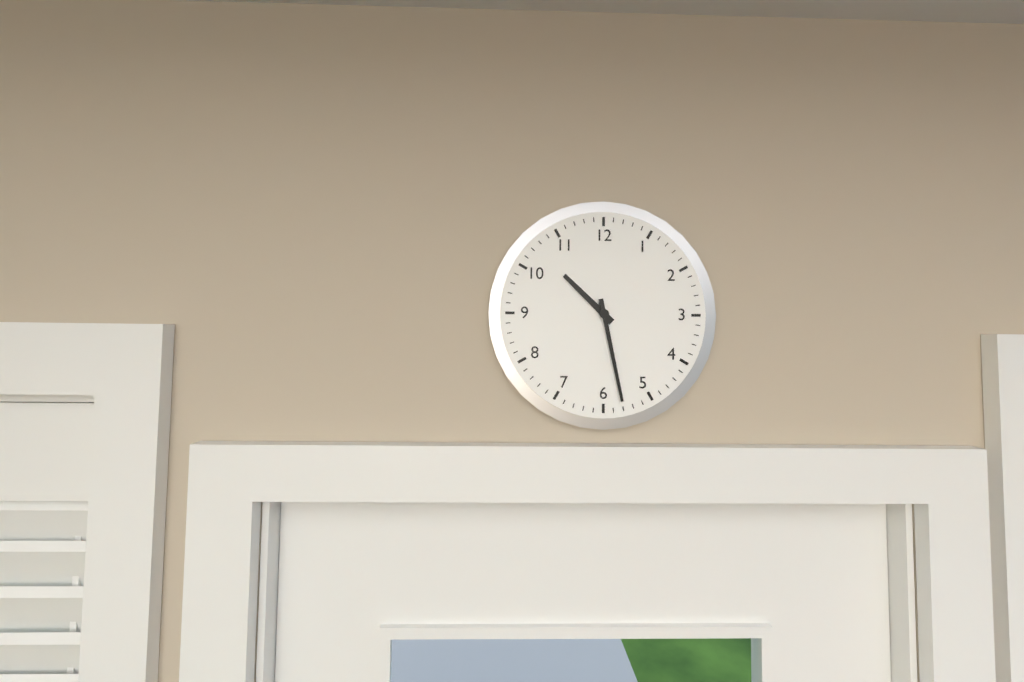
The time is h=10 m=28
